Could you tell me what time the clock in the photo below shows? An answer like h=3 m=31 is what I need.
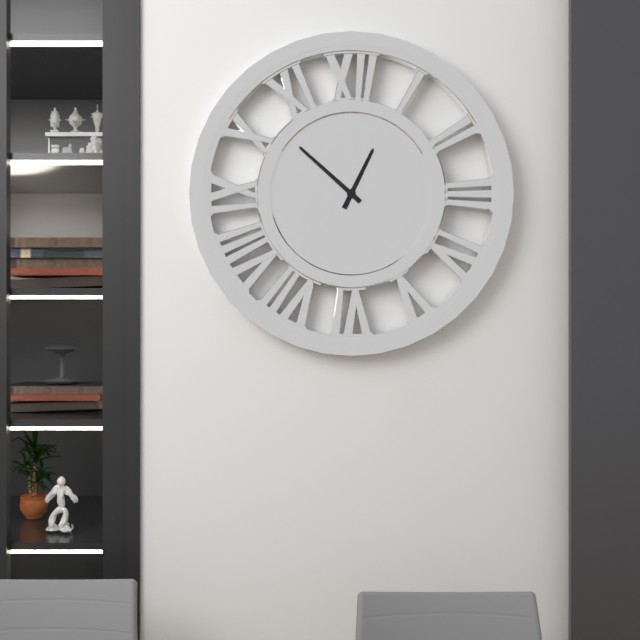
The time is h=12 m=52
